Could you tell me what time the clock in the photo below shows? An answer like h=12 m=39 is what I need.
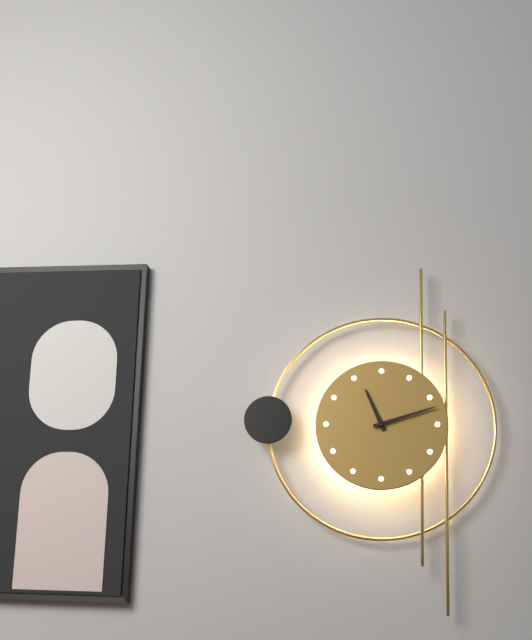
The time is h=11 m=12
